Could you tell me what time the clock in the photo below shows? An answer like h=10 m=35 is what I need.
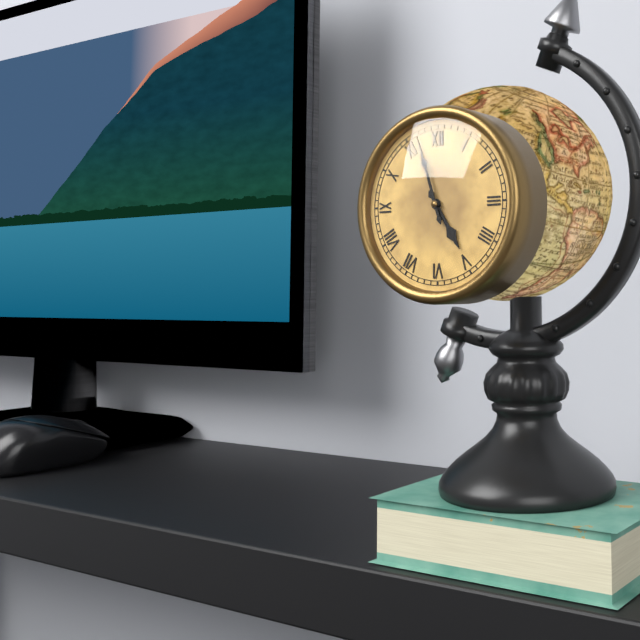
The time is h=4 m=57
